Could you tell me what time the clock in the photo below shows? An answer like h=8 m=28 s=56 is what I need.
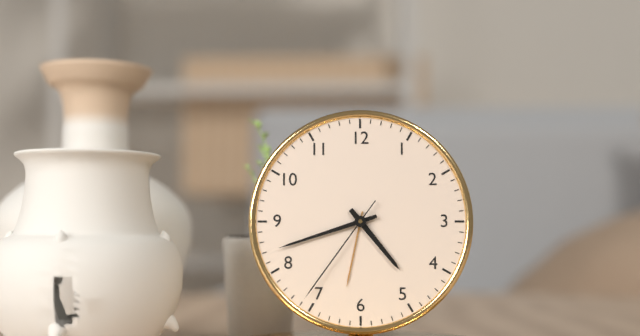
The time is h=4 m=42 s=36
